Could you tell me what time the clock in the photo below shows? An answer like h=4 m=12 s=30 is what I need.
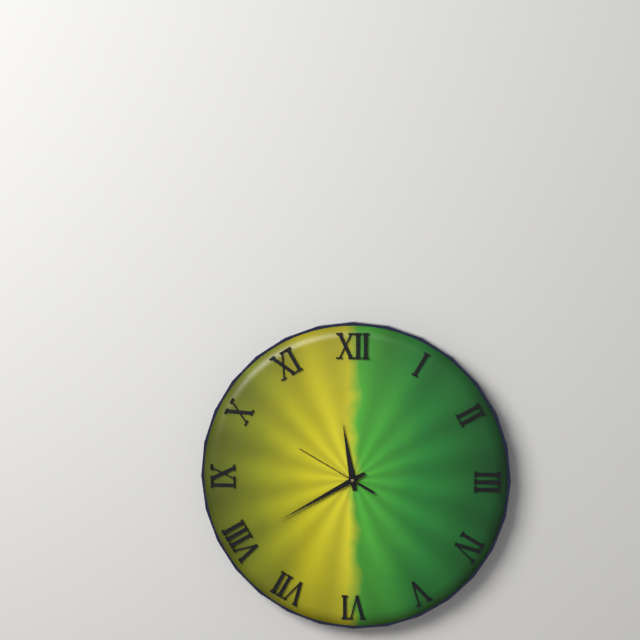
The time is h=11 m=40 s=50
